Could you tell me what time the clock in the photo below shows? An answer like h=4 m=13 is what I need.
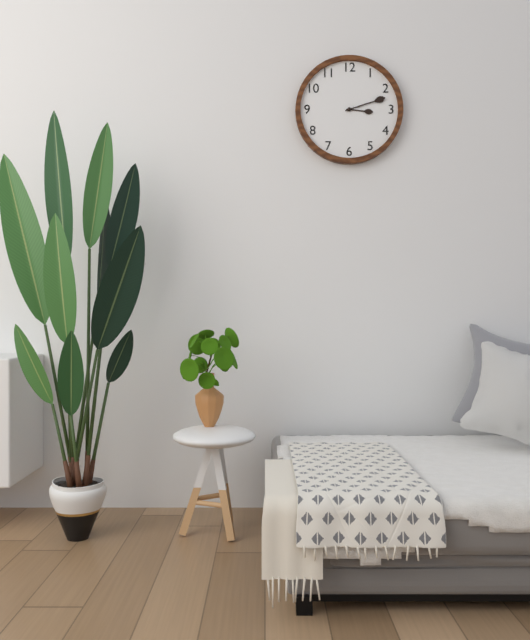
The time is h=3 m=12
